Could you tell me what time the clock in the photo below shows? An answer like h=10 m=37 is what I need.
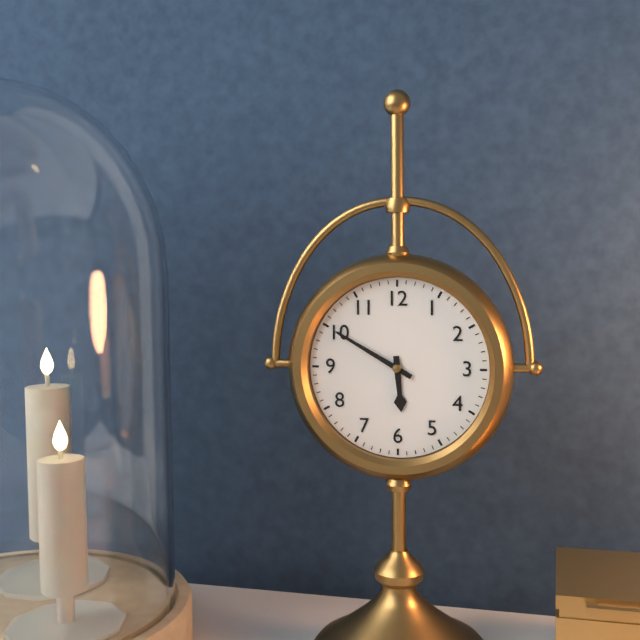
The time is h=5 m=50
